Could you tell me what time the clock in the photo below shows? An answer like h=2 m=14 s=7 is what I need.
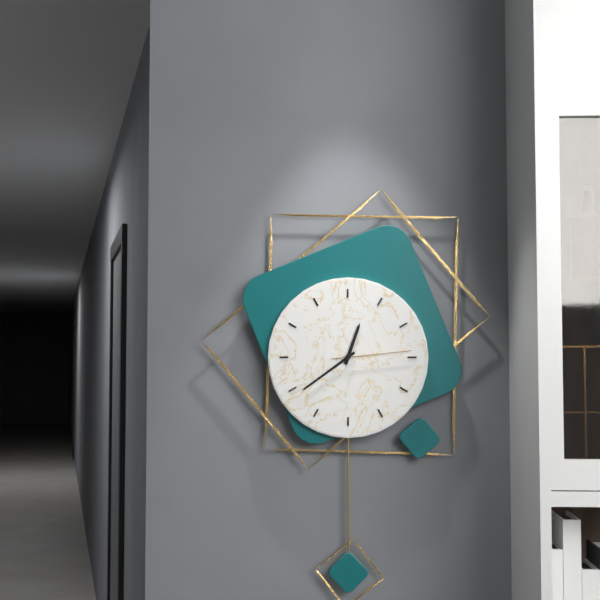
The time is h=12 m=39 s=14
